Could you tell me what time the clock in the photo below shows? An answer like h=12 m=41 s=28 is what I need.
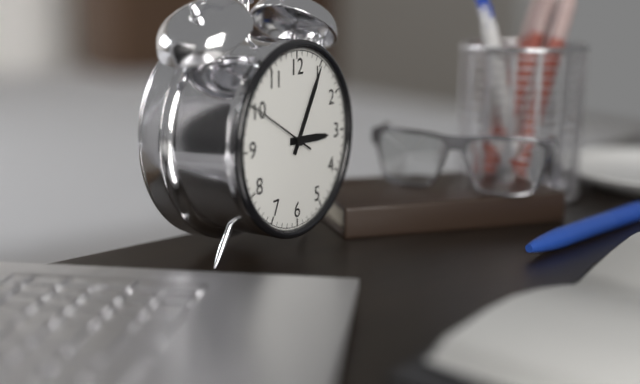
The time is h=3 m=5 s=50
